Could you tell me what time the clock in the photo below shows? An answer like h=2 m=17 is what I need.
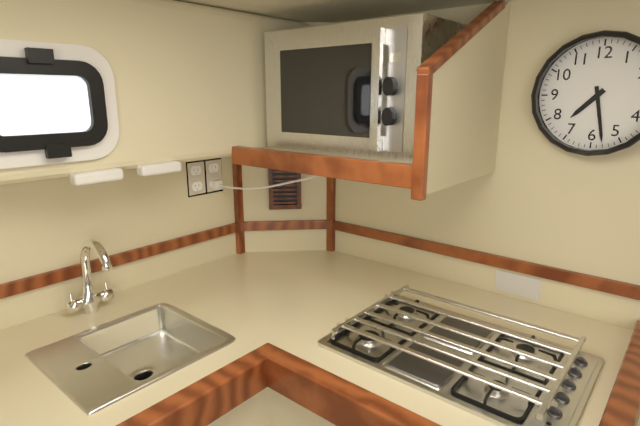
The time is h=7 m=28
